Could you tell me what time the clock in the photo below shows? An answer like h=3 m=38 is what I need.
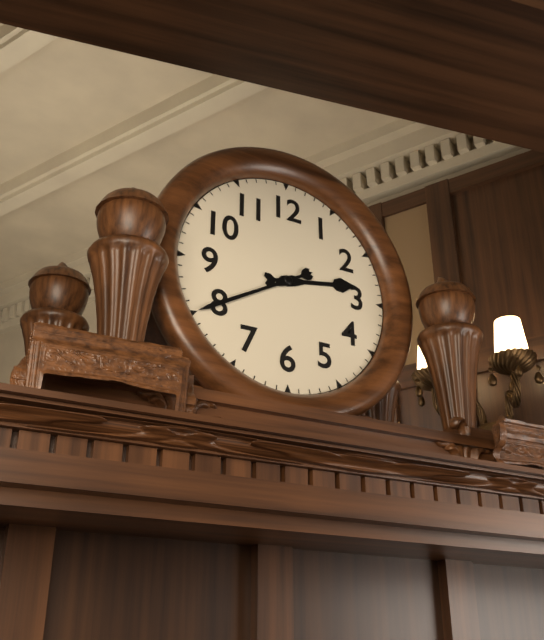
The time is h=2 m=40
